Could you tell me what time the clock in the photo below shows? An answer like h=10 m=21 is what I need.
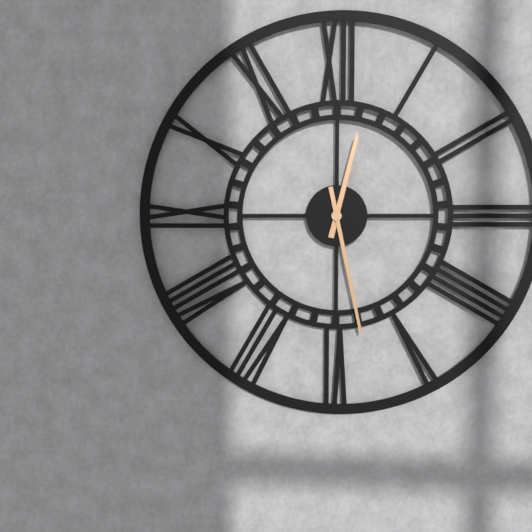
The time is h=12 m=28
